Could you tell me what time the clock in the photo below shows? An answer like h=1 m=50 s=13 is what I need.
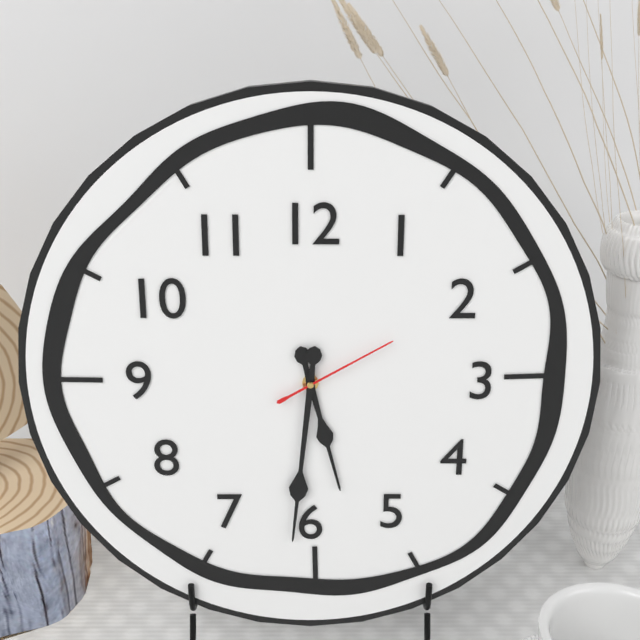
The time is h=5 m=31 s=10
